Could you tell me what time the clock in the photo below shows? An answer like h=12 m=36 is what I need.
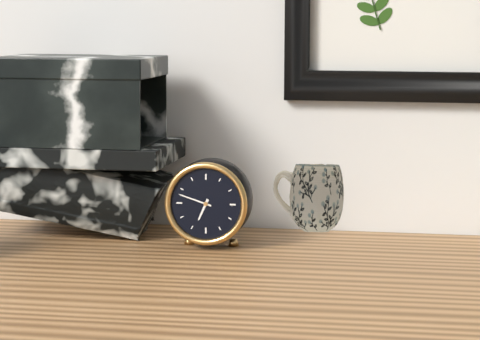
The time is h=6 m=48
